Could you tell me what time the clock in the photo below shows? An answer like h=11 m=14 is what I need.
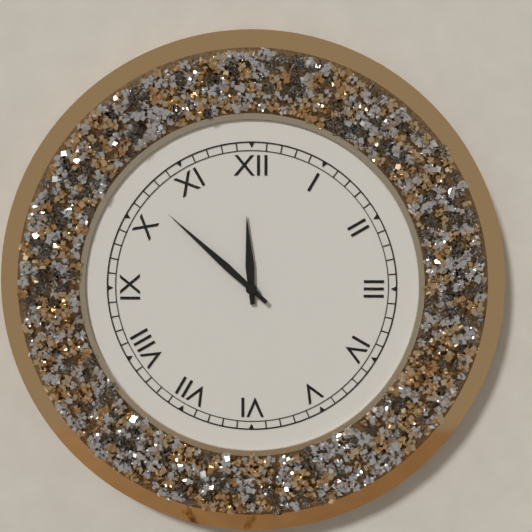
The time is h=11 m=52
